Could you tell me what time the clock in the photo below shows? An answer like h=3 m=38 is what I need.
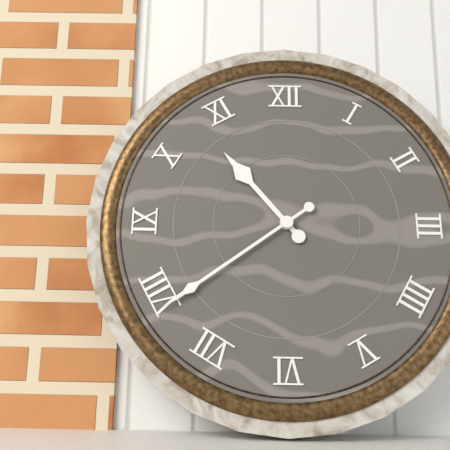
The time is h=10 m=39
